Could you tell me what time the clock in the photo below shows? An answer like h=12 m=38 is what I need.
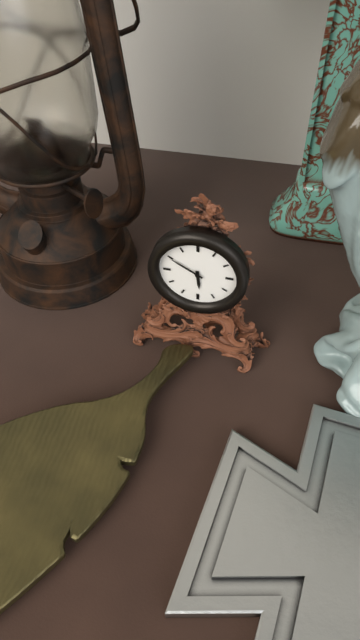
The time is h=5 m=50
